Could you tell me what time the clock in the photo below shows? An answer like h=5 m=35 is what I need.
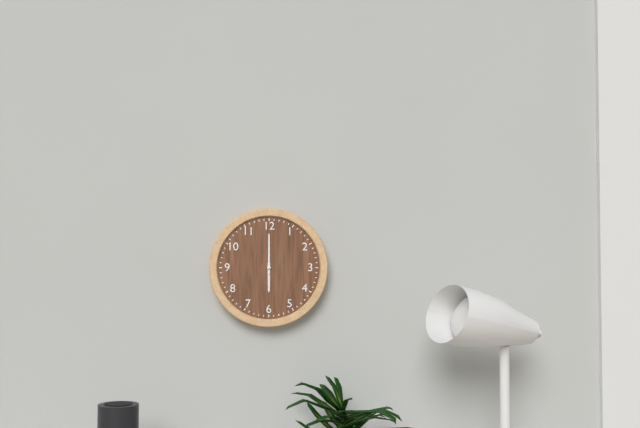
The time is h=6 m=0
